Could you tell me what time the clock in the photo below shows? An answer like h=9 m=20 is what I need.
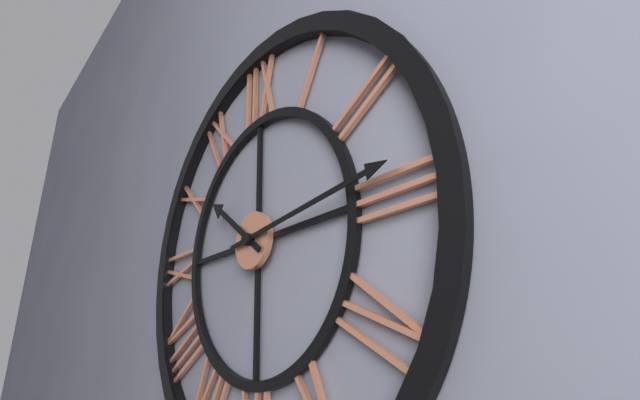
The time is h=10 m=14
